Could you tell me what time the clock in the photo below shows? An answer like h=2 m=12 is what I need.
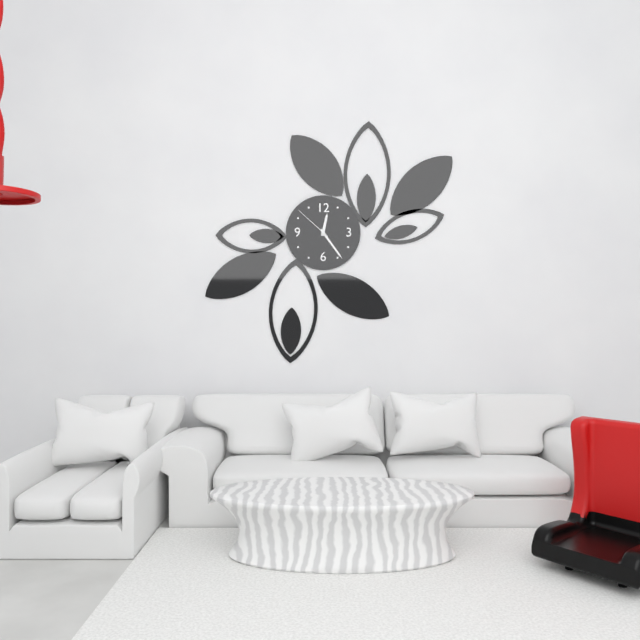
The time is h=12 m=24
